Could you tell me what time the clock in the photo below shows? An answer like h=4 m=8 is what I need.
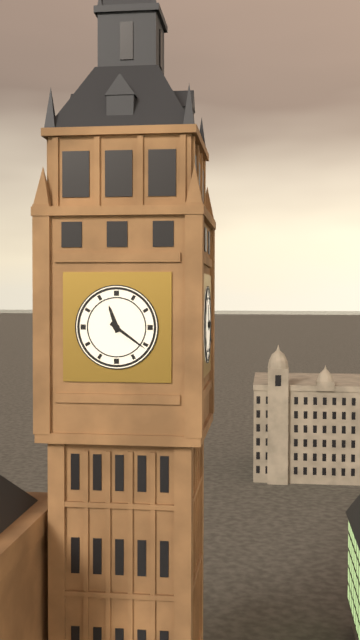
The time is h=11 m=21
